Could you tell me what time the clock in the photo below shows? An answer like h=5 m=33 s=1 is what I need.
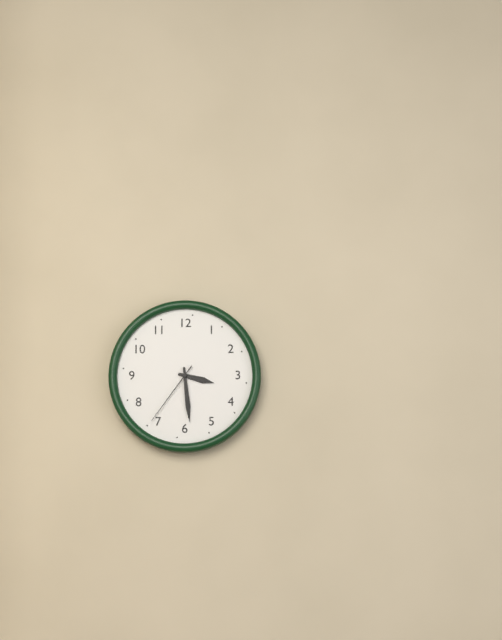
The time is h=3 m=29 s=36
